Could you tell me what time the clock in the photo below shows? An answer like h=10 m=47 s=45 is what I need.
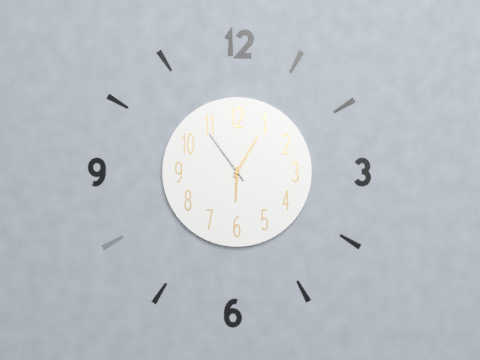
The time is h=6 m=5 s=54
